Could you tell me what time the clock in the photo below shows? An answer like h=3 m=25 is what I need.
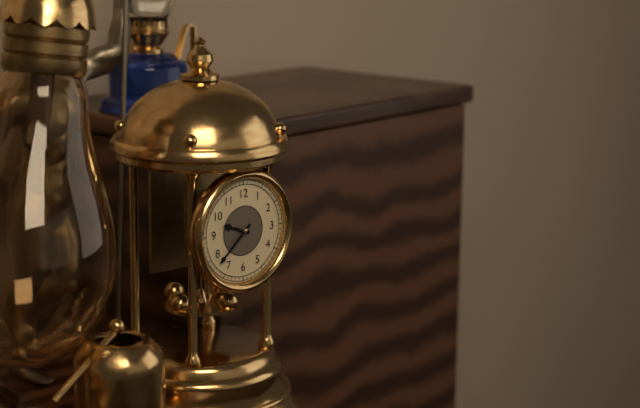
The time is h=9 m=38
